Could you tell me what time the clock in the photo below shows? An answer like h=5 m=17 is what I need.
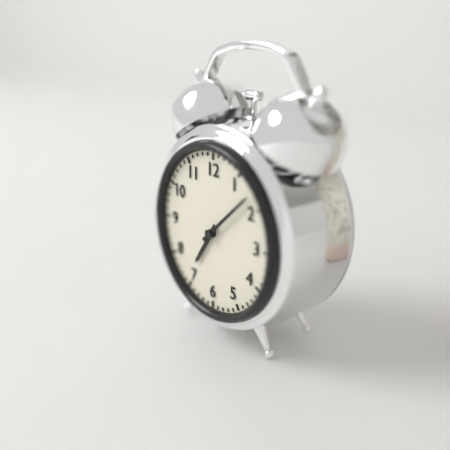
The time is h=7 m=8
